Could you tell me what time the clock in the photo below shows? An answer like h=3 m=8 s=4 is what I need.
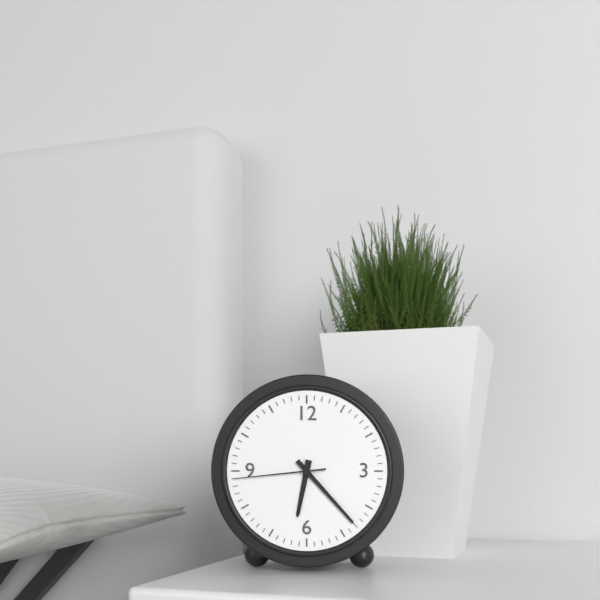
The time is h=6 m=23 s=44
